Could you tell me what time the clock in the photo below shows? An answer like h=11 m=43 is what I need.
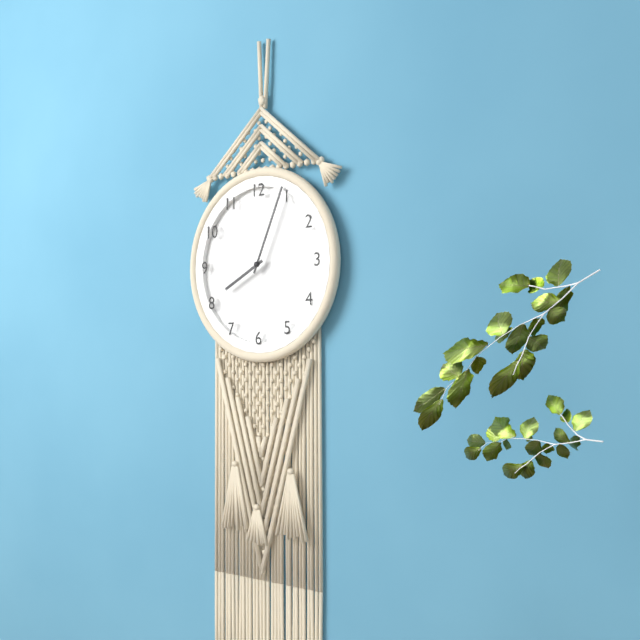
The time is h=8 m=4
